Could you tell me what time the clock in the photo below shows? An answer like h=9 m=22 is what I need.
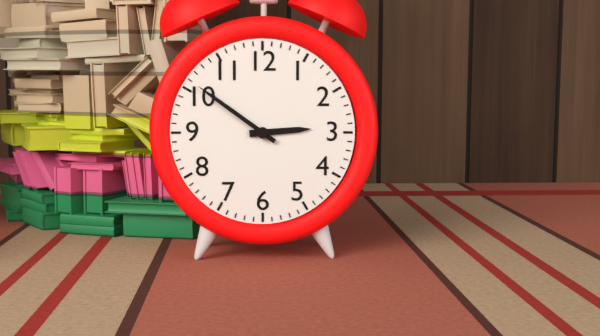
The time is h=2 m=51
